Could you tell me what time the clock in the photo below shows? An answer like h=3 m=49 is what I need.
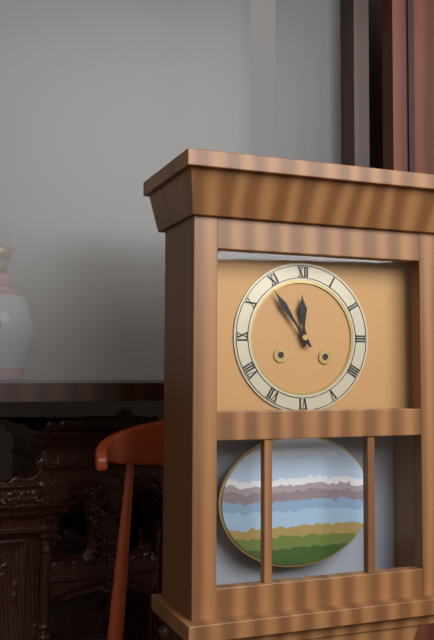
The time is h=11 m=54
